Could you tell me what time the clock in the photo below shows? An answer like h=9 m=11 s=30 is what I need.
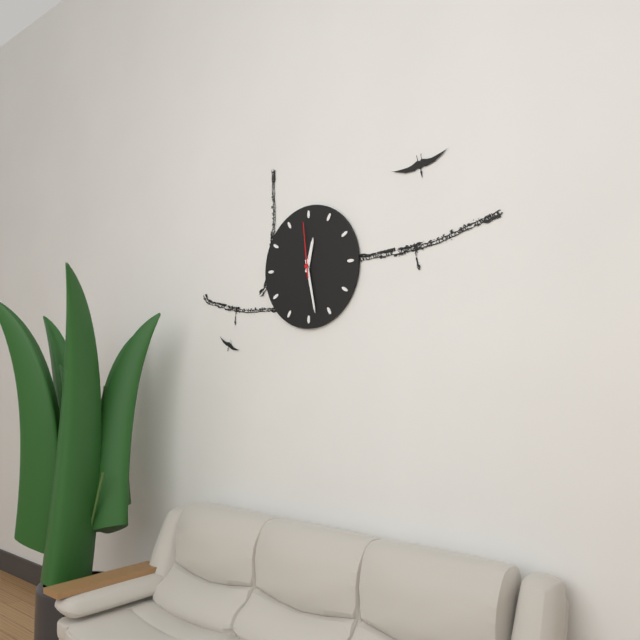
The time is h=12 m=28 s=59
